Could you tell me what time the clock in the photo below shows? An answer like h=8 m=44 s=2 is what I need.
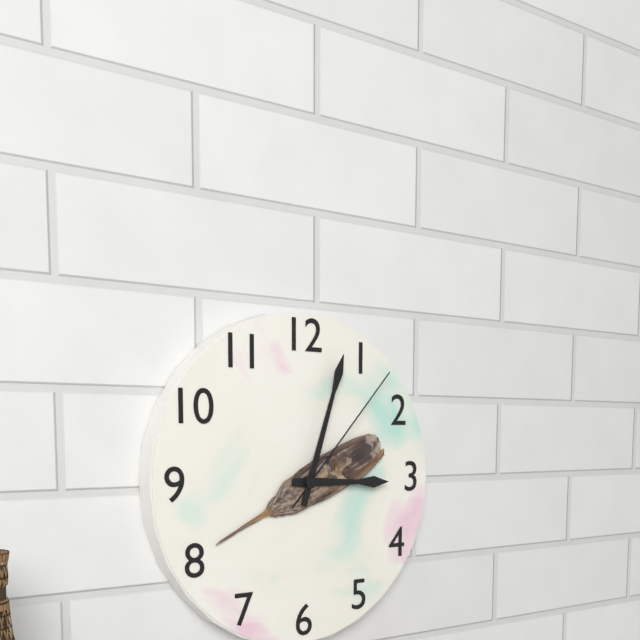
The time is h=3 m=3 s=7
